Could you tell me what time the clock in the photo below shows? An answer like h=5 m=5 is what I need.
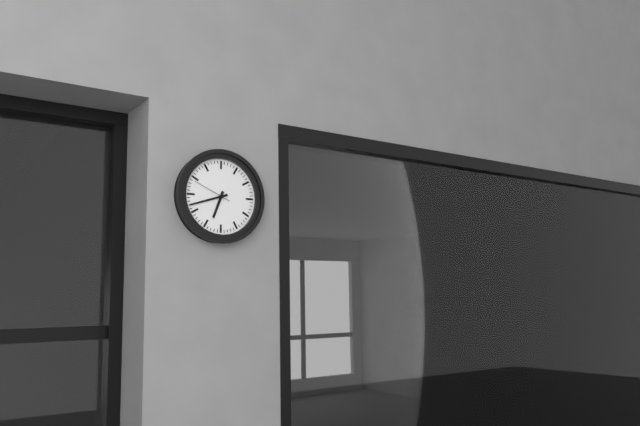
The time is h=6 m=42
